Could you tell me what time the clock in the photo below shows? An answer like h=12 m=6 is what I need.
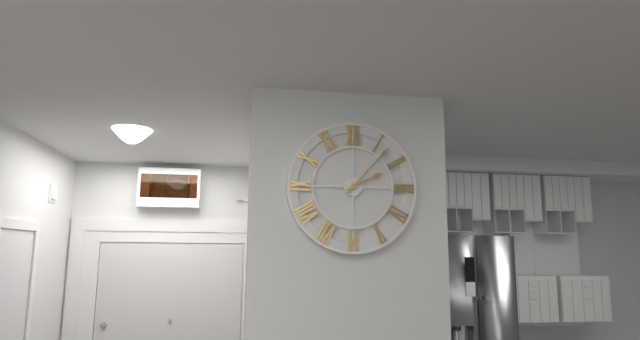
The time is h=2 m=7
